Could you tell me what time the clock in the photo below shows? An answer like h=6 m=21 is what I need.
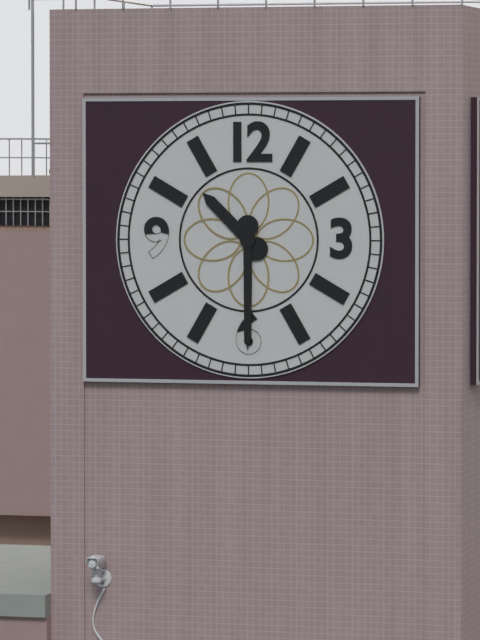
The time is h=10 m=30
